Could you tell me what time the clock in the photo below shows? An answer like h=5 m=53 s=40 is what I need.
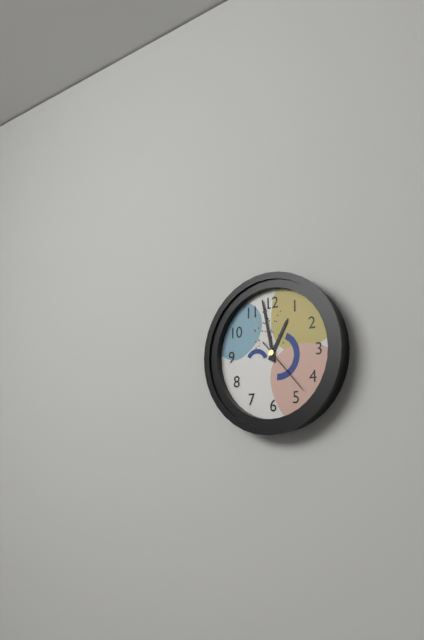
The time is h=12 m=58 s=23
